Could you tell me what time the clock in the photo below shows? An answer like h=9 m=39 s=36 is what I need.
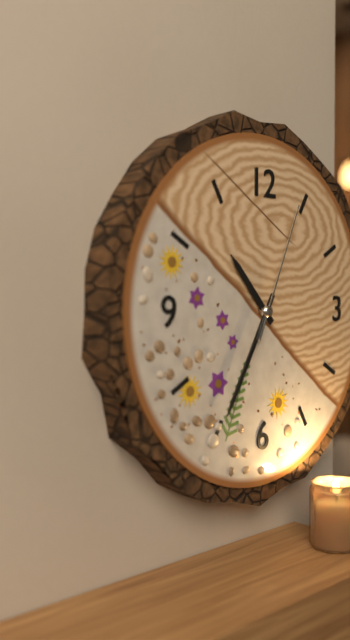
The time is h=10 m=35 s=4
